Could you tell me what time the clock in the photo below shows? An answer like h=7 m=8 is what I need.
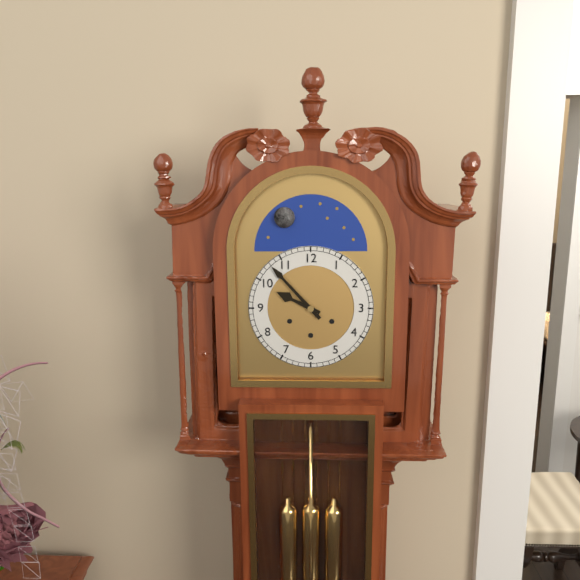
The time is h=9 m=53
